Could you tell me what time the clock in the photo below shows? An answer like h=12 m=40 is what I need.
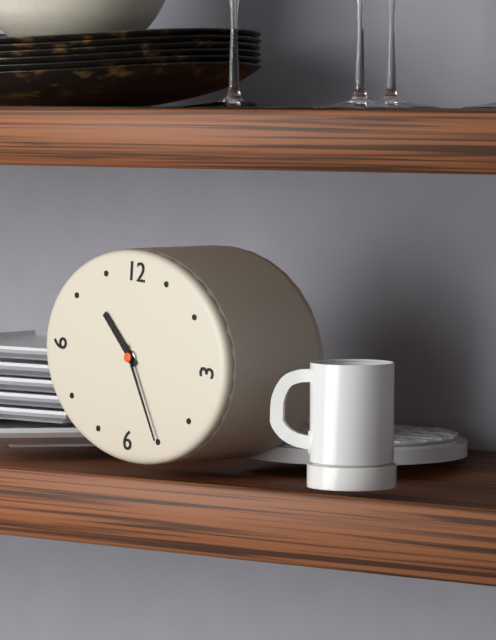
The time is h=10 m=25
